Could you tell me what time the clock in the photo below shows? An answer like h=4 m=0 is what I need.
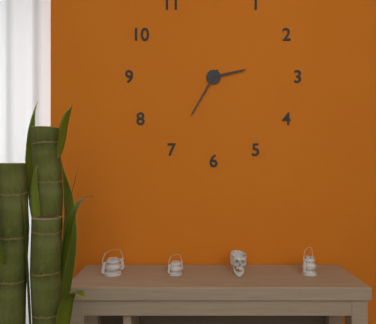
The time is h=2 m=35
